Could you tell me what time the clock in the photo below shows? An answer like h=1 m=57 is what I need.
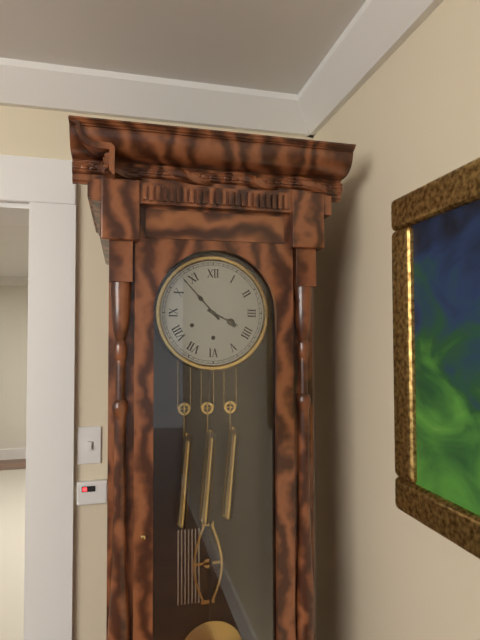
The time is h=3 m=53
